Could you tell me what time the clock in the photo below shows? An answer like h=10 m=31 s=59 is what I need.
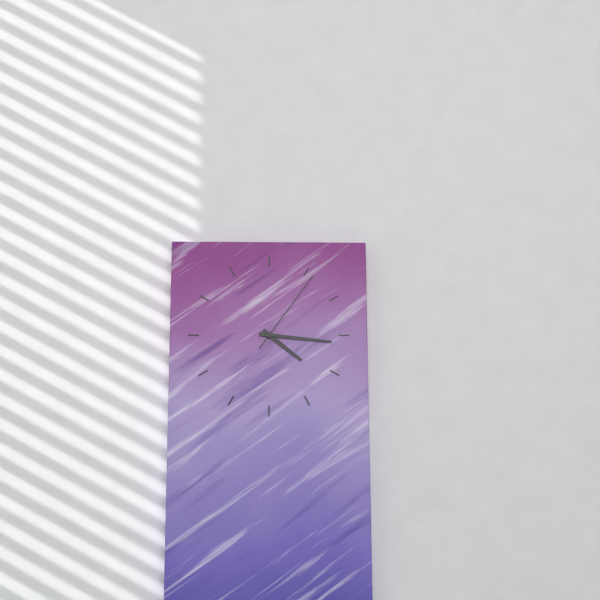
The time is h=4 m=16 s=6
